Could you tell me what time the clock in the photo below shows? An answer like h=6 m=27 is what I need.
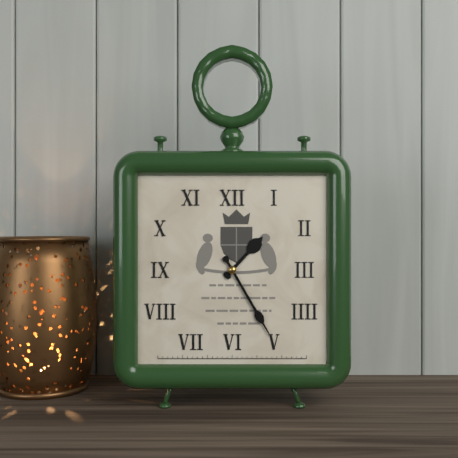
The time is h=1 m=25
